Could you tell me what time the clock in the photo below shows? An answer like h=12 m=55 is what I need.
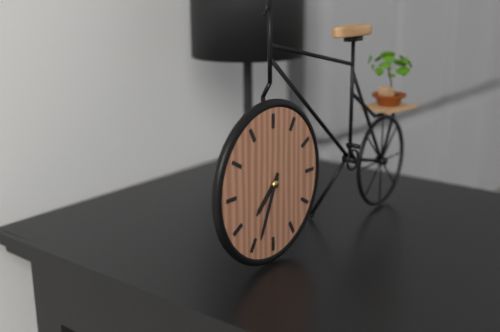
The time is h=7 m=34
